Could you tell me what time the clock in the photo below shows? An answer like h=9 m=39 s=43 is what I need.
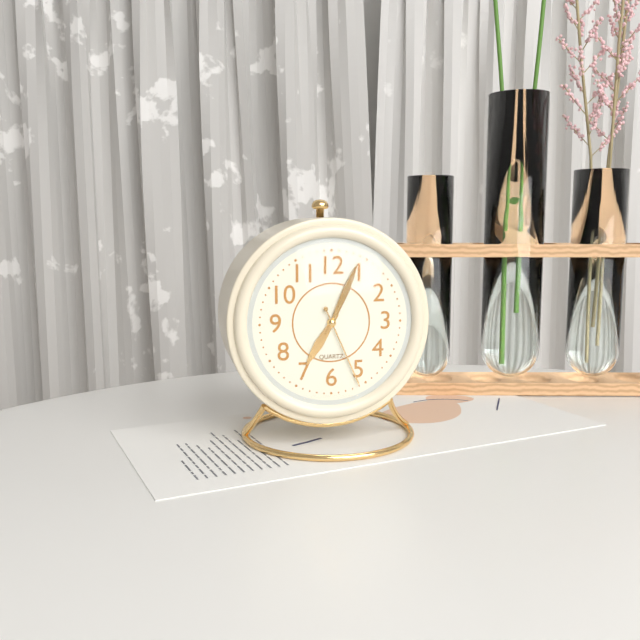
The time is h=7 m=4 s=26
